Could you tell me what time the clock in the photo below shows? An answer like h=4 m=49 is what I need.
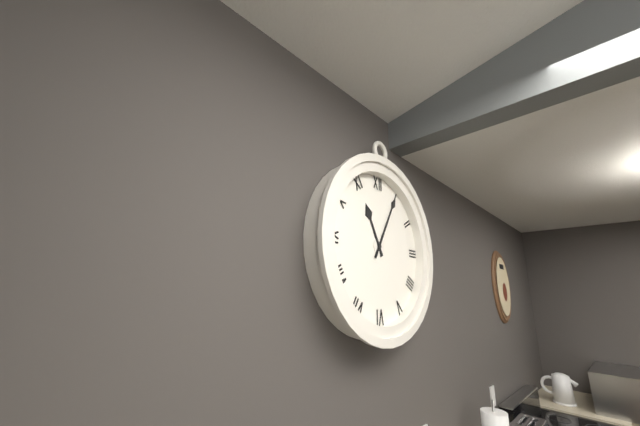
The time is h=11 m=5
